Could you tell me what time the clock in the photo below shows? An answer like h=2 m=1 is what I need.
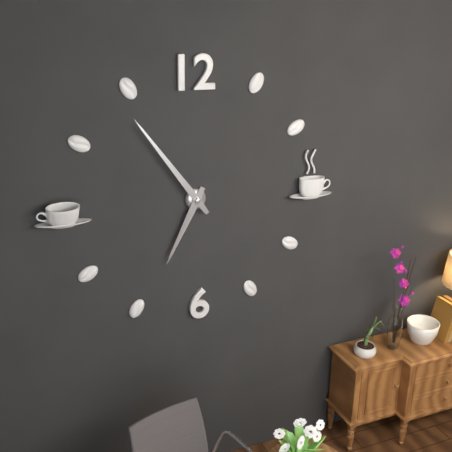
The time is h=6 m=54
